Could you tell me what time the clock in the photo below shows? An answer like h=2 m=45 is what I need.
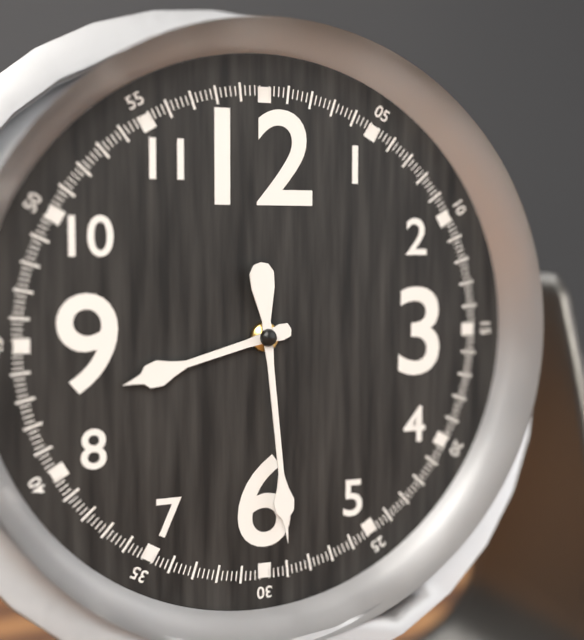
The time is h=8 m=29
